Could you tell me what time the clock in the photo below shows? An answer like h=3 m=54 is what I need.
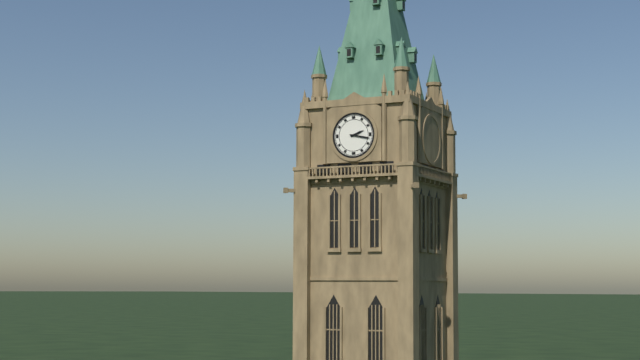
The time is h=2 m=17
